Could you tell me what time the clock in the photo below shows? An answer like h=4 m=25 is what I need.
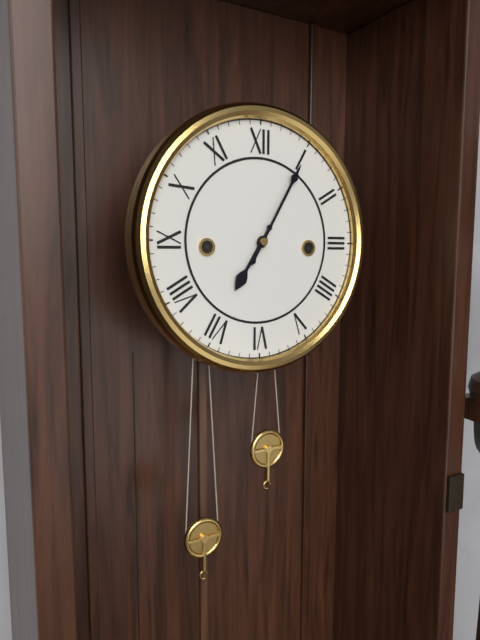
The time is h=7 m=5
